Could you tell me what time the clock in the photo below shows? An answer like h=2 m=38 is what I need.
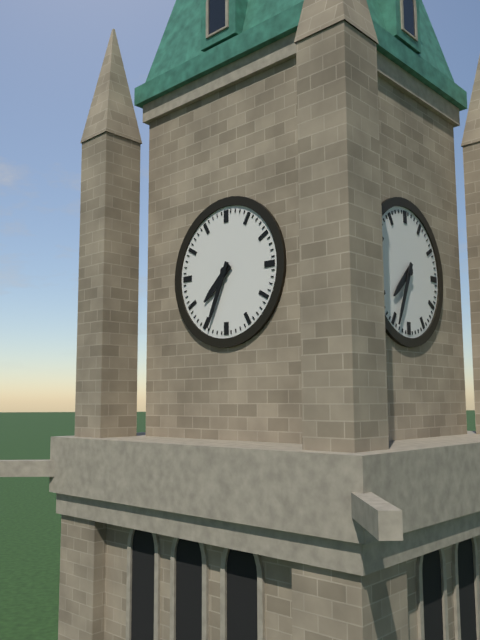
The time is h=7 m=34
